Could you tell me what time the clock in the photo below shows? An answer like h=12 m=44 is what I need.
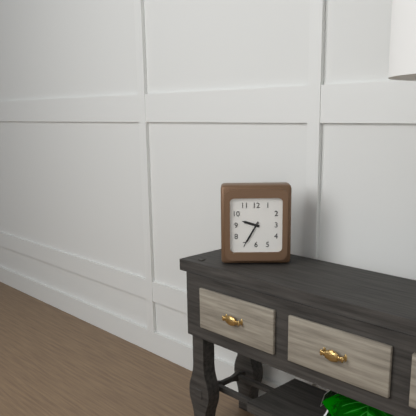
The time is h=9 m=35
